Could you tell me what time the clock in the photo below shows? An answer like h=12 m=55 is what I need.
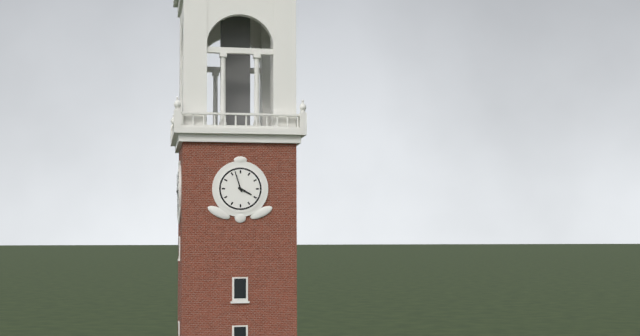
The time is h=3 m=57
